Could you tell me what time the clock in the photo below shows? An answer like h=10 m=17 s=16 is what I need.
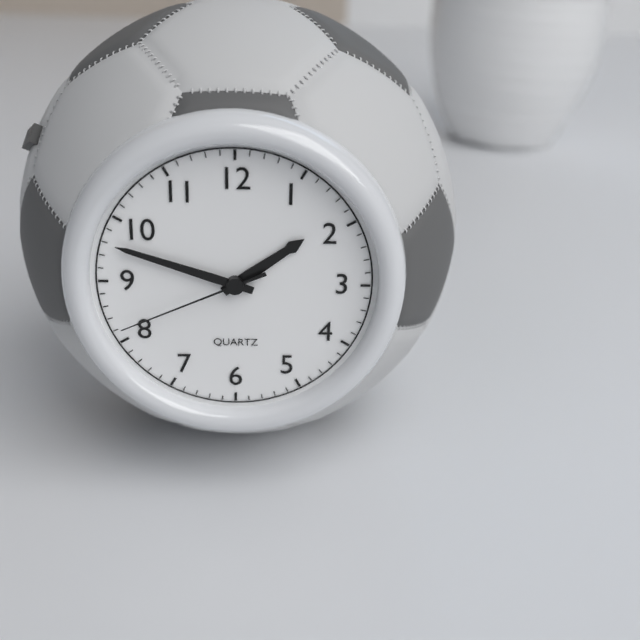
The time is h=1 m=48 s=41
